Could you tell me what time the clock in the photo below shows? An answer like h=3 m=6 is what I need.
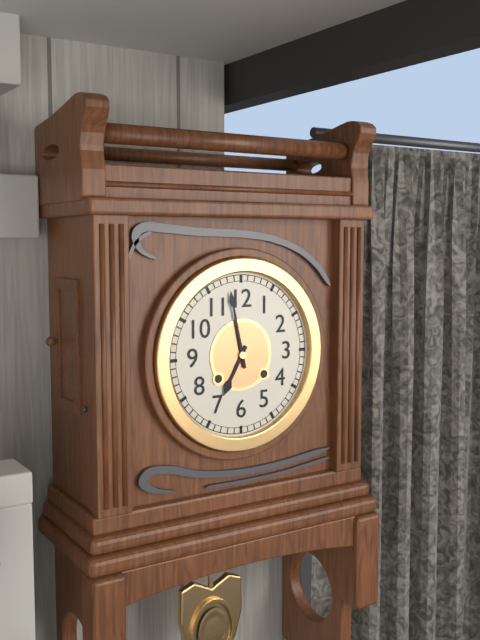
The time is h=6 m=58
